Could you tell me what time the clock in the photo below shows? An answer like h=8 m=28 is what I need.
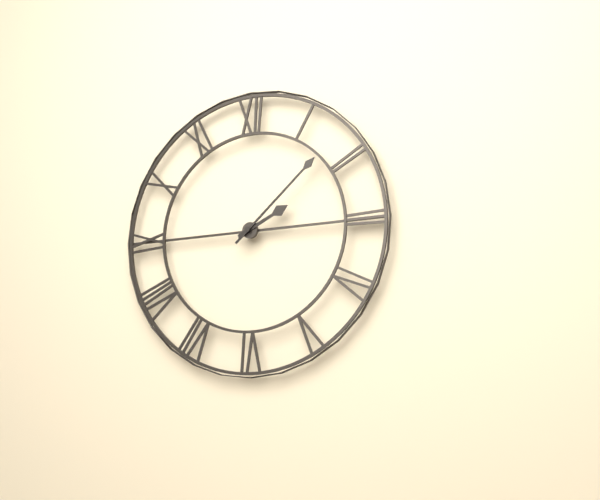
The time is h=2 m=8
